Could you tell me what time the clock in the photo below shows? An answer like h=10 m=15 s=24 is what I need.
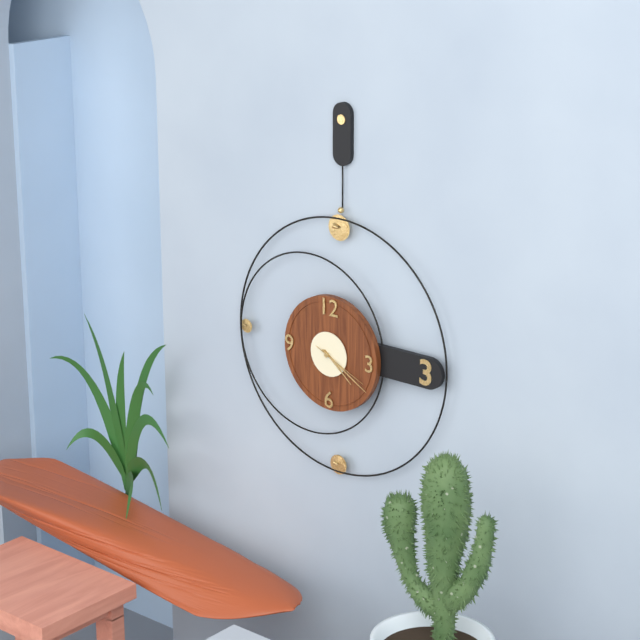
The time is h=4 m=20 s=19
